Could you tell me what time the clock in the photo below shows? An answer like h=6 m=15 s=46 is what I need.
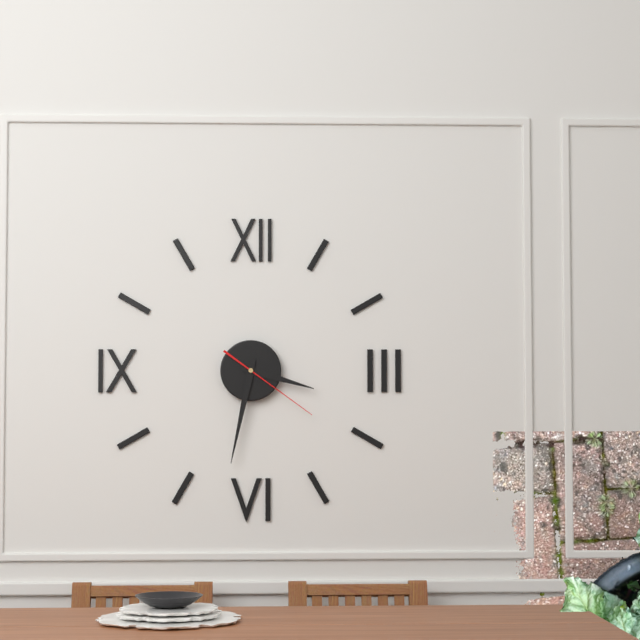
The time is h=3 m=32 s=21
